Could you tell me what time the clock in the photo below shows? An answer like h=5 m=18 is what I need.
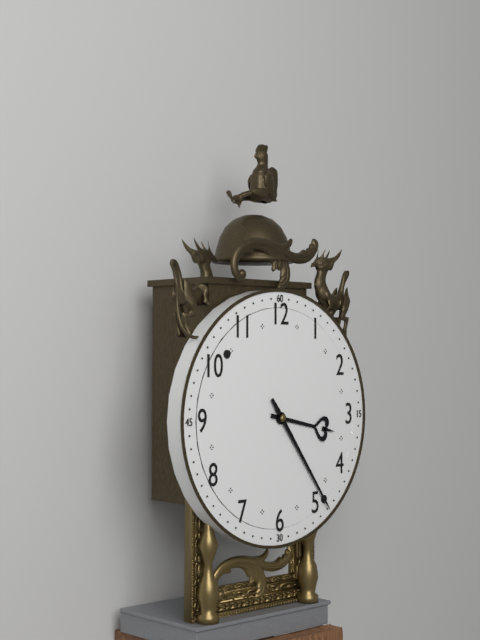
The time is h=3 m=24
